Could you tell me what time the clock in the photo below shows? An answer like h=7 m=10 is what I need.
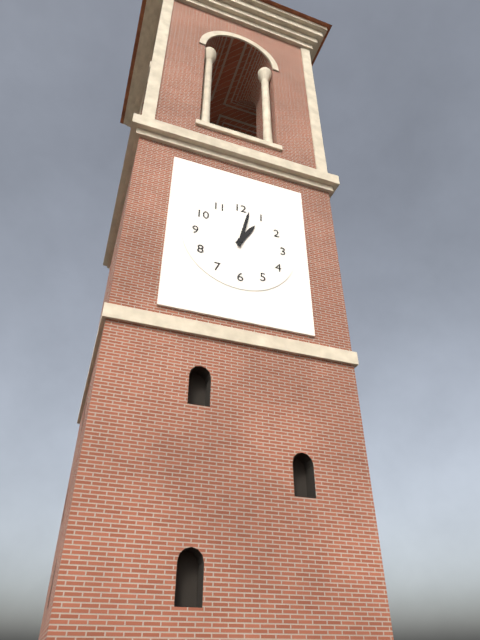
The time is h=1 m=2
